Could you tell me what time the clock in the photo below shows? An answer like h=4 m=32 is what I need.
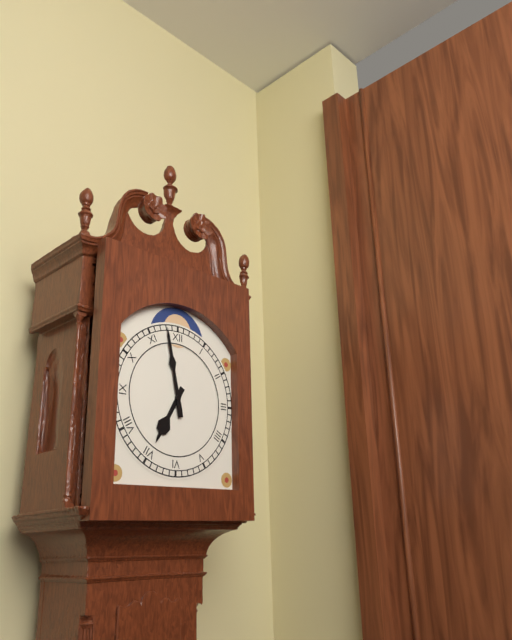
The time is h=6 m=58
